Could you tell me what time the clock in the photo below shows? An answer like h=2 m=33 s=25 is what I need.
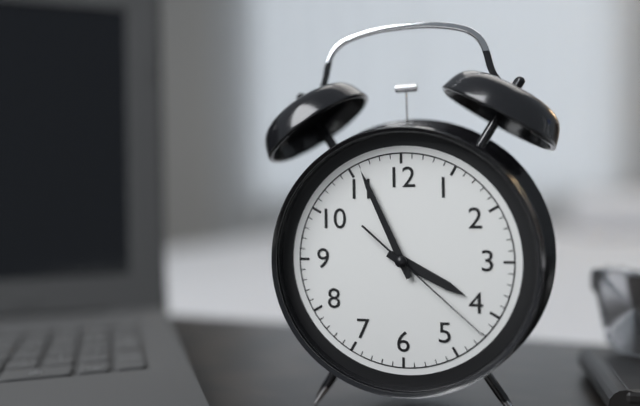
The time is h=3 m=56 s=22
